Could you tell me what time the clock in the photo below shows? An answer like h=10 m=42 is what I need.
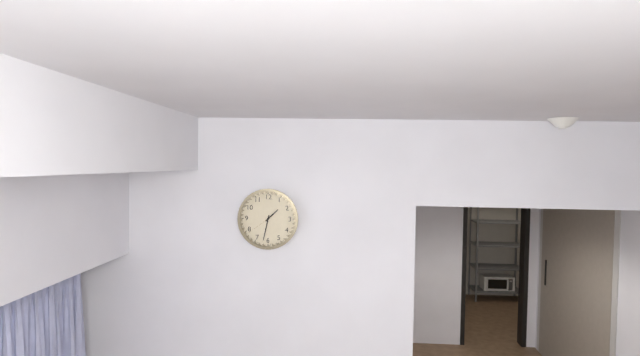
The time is h=1 m=32
